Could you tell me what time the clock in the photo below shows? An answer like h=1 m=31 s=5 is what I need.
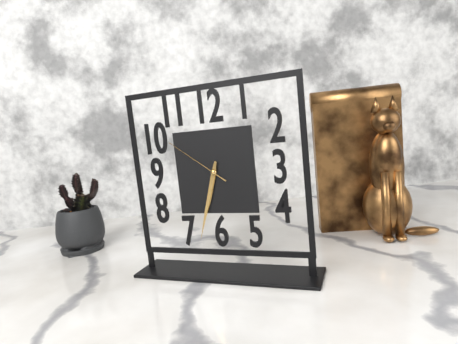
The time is h=6 m=33 s=51
